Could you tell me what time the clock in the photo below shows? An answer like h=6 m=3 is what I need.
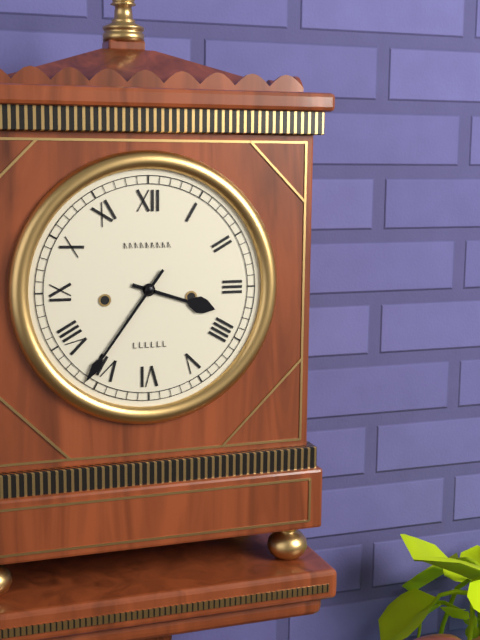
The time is h=3 m=36
